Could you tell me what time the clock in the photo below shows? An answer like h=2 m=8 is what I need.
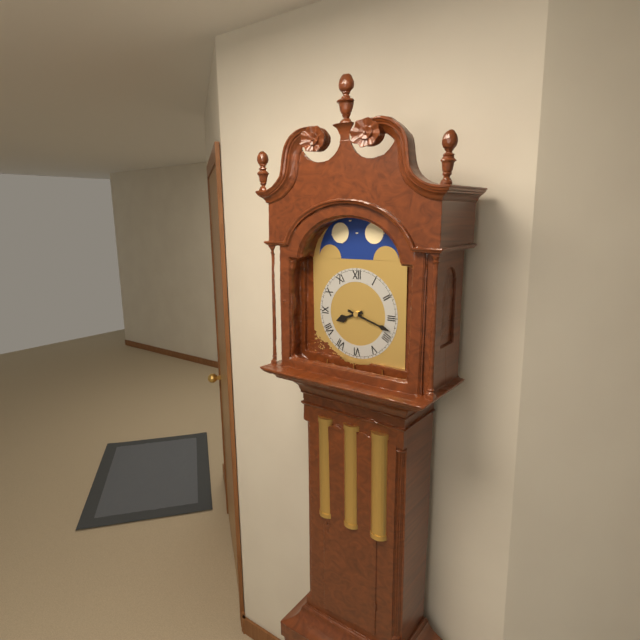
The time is h=8 m=18
